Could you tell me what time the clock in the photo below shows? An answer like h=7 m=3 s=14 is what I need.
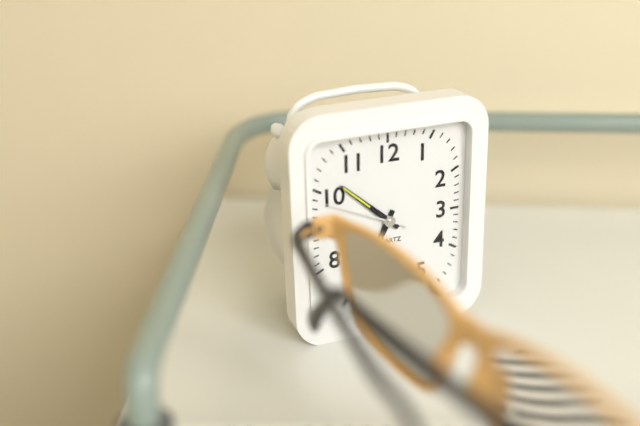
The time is h=6 m=52 s=49
